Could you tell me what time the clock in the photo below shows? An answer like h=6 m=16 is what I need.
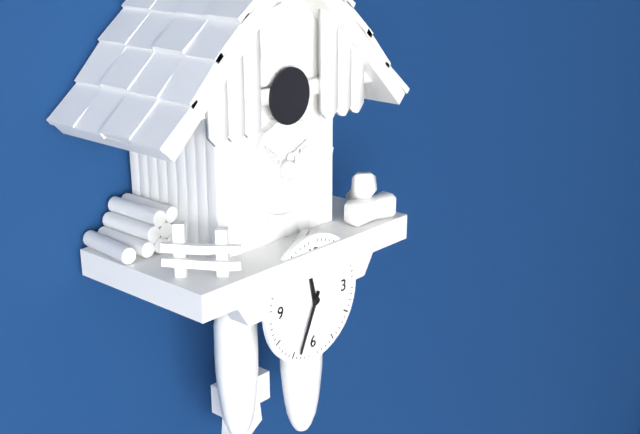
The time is h=11 m=34
